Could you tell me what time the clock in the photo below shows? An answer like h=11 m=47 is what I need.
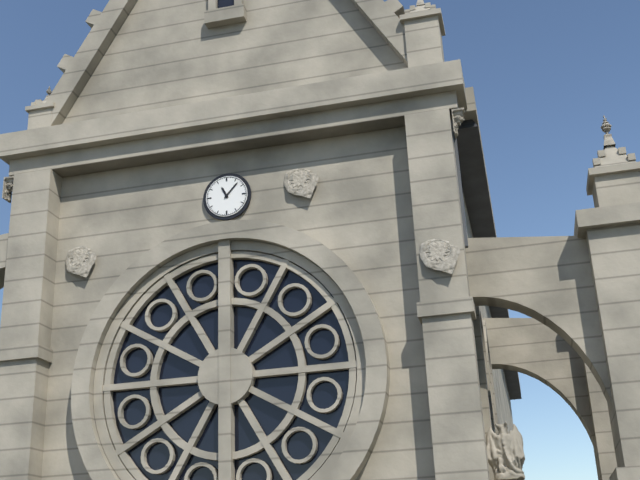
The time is h=11 m=7
